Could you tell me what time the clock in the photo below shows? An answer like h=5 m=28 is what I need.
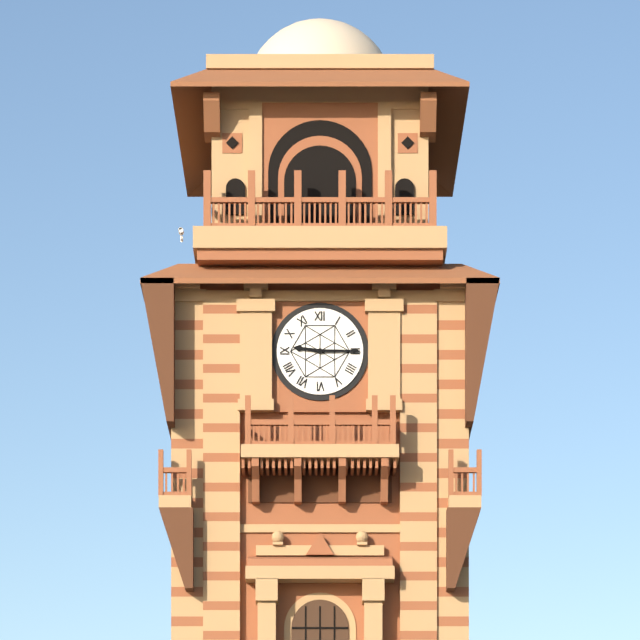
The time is h=9 m=15
